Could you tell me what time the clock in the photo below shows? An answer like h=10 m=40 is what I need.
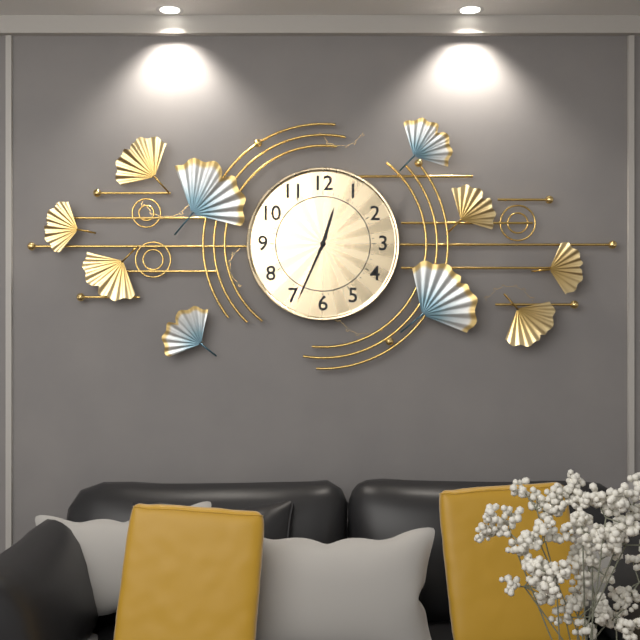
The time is h=12 m=34
